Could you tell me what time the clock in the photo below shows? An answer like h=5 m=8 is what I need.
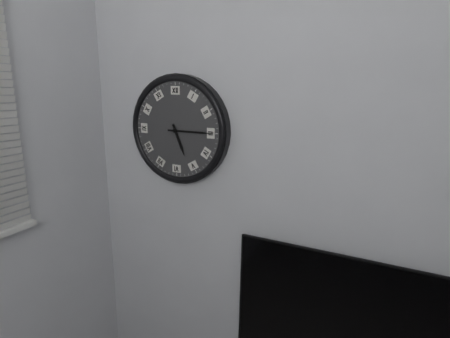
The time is h=5 m=15
